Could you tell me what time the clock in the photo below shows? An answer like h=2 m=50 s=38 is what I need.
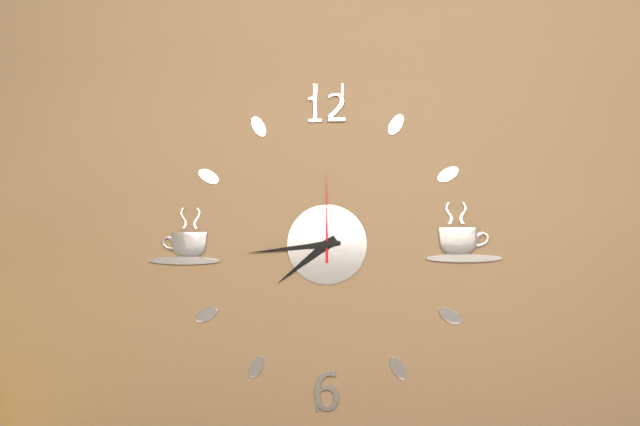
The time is h=7 m=44 s=0
